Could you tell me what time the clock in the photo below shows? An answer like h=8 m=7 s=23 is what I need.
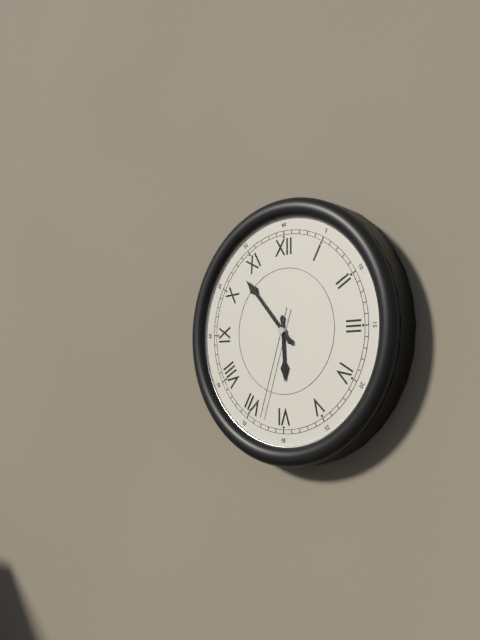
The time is h=5 m=53 s=33
